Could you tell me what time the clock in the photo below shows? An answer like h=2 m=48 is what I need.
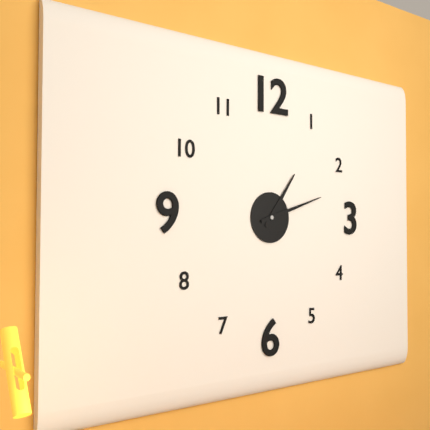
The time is h=1 m=12
